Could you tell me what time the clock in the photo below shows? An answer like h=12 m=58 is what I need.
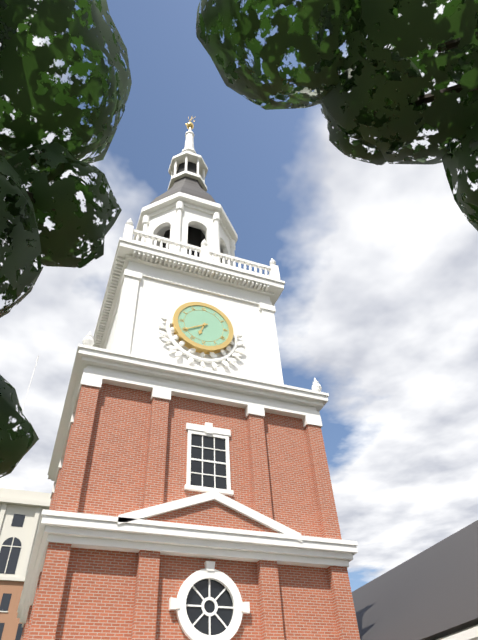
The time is h=6 m=40
